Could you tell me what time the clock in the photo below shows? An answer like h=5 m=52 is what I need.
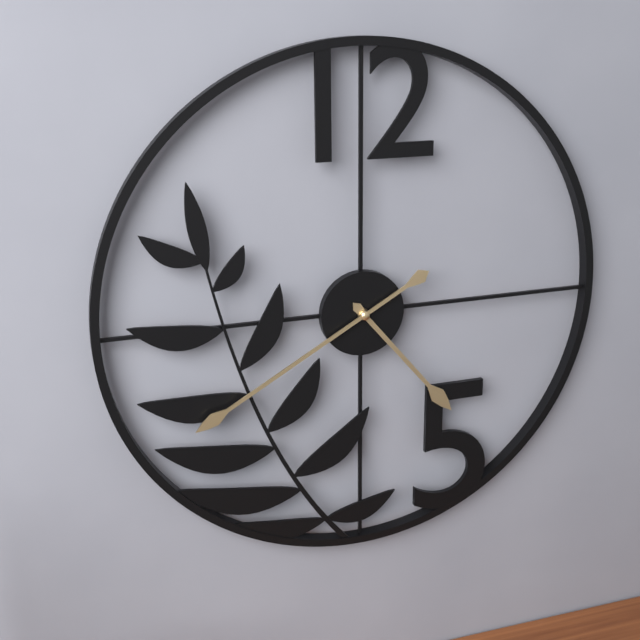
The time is h=4 m=40
